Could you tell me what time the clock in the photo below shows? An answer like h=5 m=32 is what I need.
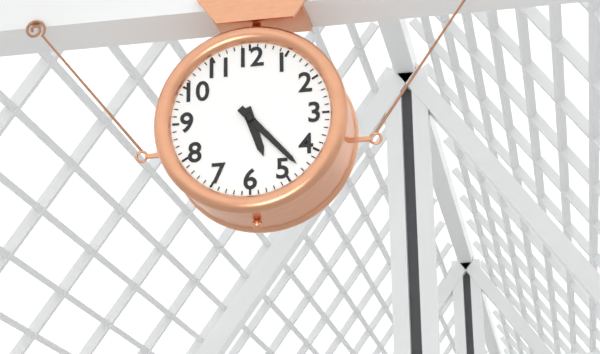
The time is h=5 m=23
